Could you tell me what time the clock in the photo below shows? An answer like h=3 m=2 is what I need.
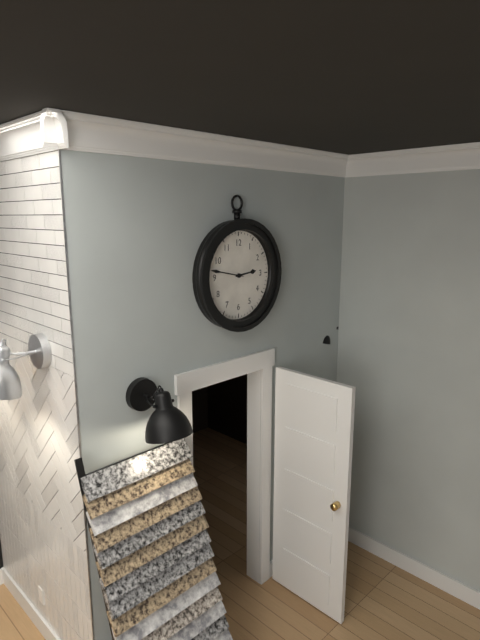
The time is h=2 m=47
